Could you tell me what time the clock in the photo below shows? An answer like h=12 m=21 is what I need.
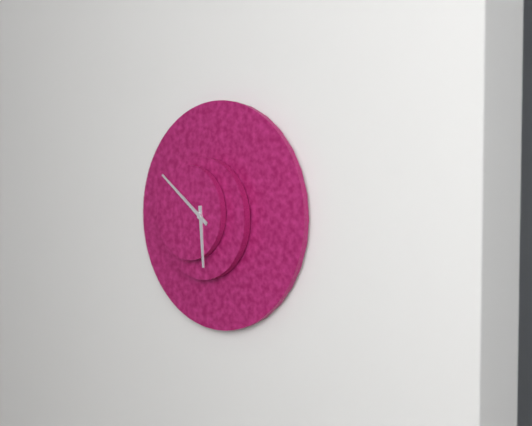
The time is h=5 m=51
